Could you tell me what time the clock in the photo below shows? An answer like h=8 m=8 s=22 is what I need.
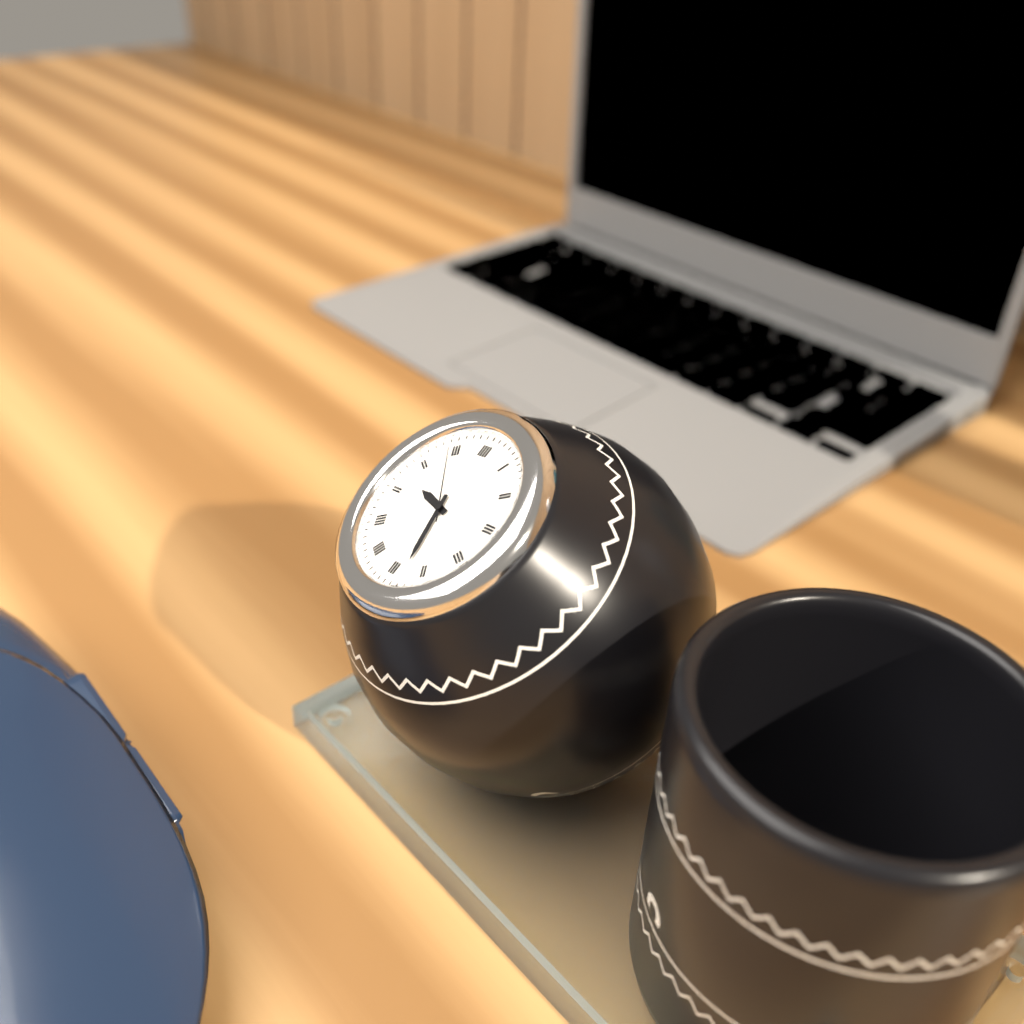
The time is h=9 m=28 s=54
